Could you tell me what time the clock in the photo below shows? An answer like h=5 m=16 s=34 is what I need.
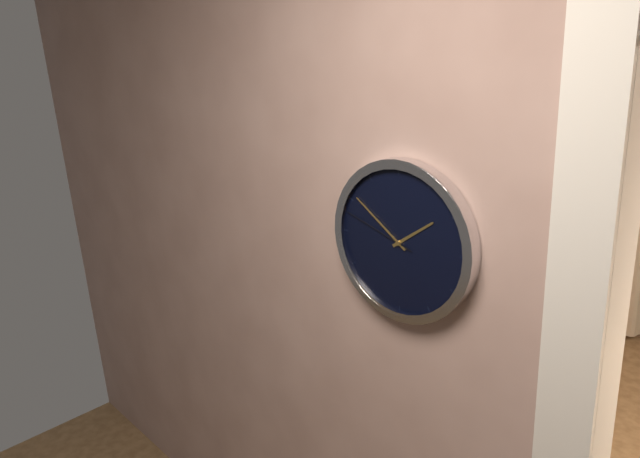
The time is h=1 m=51 s=48
